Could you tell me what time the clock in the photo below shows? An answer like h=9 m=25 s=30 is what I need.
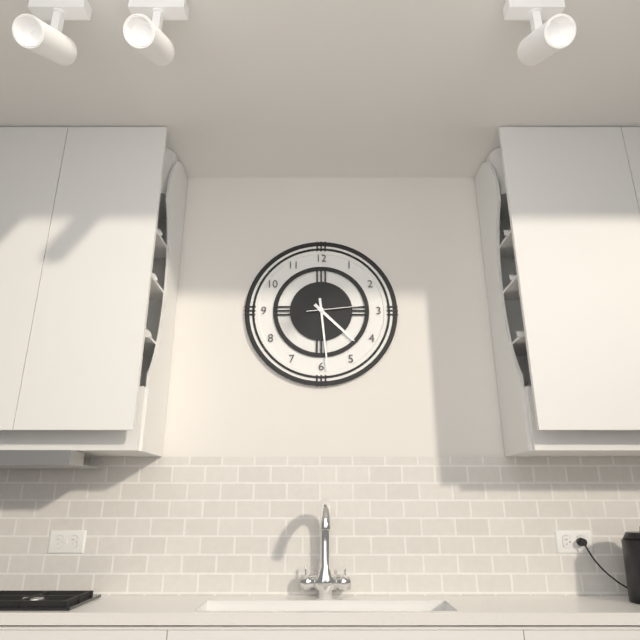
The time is h=4 m=29 s=14
